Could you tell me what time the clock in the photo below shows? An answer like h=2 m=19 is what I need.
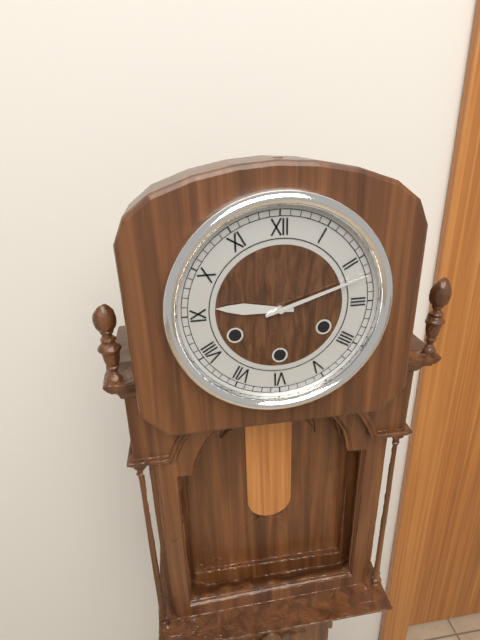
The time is h=9 m=12
